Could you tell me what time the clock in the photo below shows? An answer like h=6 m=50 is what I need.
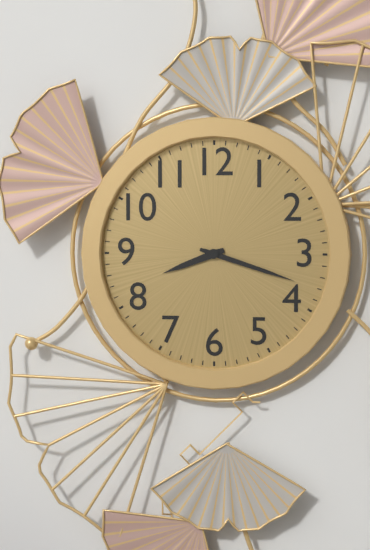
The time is h=8 m=18
